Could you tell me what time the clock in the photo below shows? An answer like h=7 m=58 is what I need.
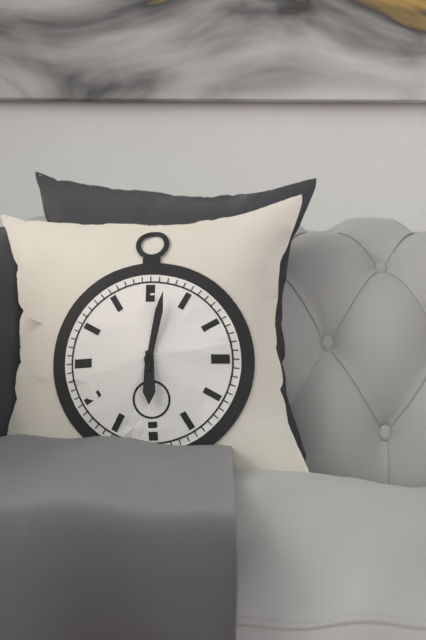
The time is h=6 m=2
